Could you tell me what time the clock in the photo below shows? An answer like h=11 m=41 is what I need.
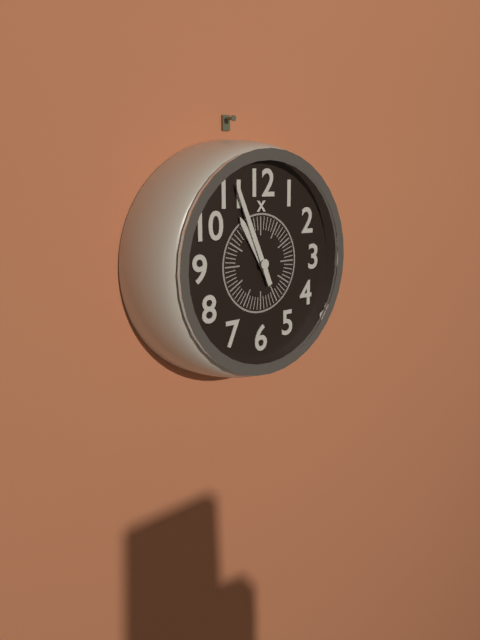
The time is h=10 m=56
